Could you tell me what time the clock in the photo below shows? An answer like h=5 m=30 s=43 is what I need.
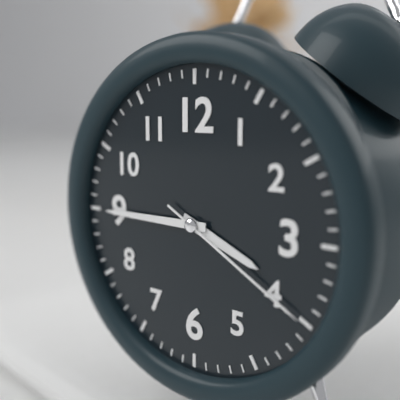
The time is h=3 m=45 s=20
